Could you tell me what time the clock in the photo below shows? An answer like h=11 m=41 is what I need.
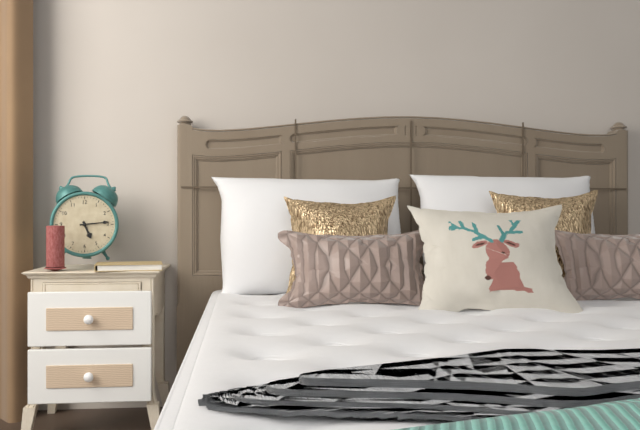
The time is h=5 m=14
